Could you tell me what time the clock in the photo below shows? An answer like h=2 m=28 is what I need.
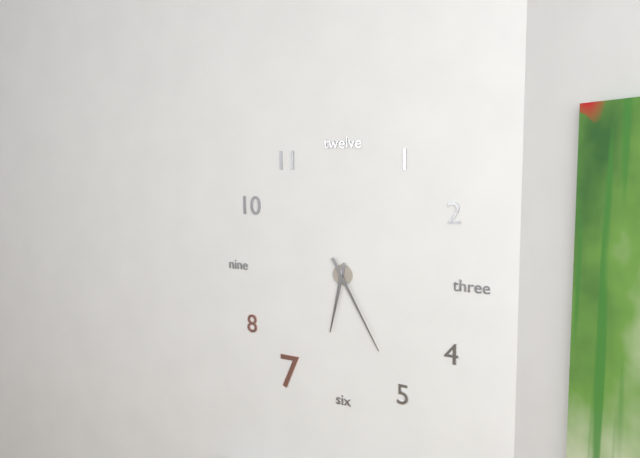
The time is h=6 m=25
